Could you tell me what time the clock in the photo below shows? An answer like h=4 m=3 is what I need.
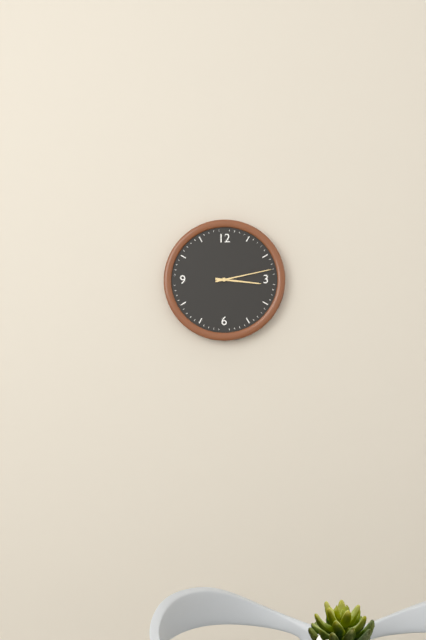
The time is h=3 m=13
